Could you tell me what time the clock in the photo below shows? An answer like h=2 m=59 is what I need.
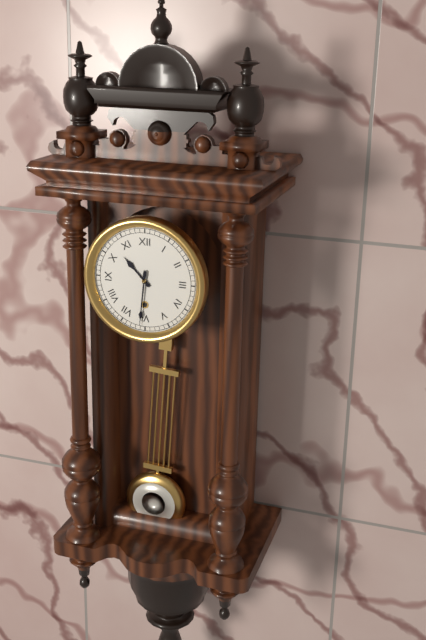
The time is h=10 m=31
